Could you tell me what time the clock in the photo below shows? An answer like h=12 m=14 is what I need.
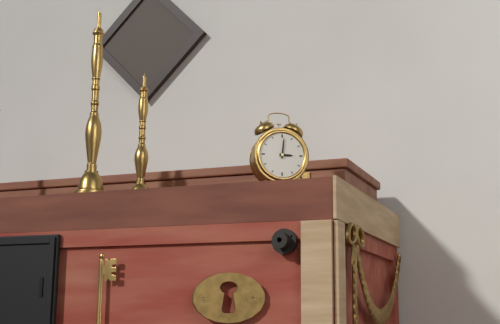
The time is h=3 m=1
